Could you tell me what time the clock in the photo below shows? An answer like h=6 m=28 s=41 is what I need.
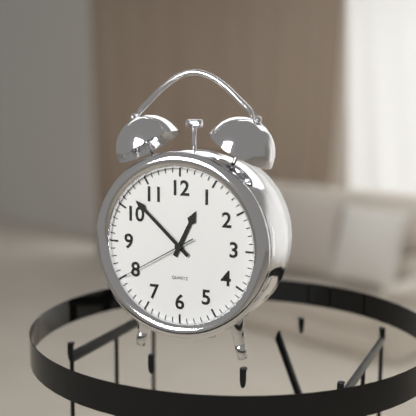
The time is h=12 m=52 s=40
